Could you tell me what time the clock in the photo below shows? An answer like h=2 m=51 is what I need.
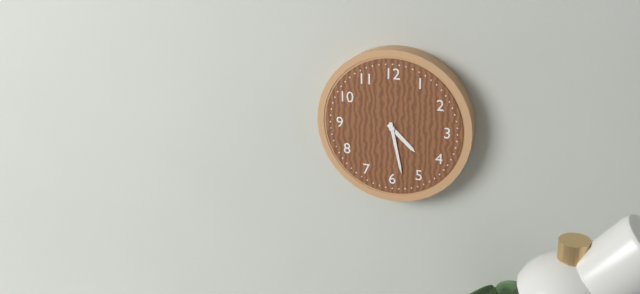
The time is h=4 m=28
